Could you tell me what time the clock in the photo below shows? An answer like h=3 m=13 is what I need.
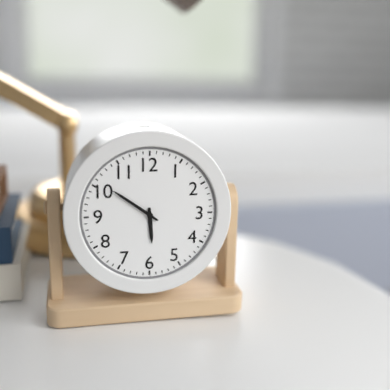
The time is h=5 m=51
